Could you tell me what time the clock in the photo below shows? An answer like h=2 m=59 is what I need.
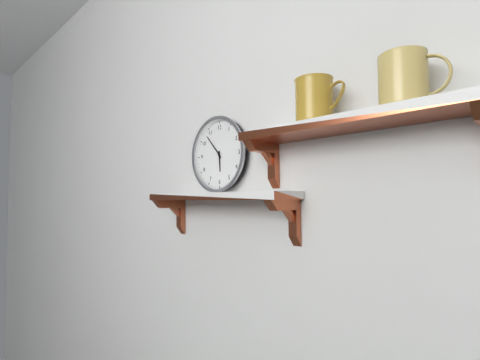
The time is h=5 m=53
